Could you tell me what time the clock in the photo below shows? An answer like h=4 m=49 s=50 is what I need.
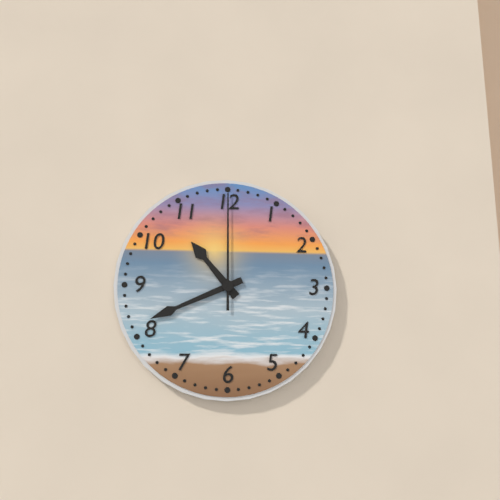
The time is h=10 m=41 s=0
